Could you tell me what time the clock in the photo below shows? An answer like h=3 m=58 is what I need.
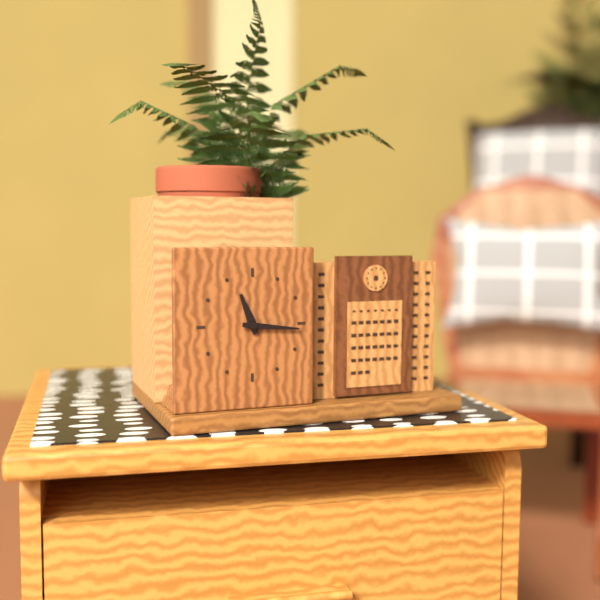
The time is h=11 m=16
